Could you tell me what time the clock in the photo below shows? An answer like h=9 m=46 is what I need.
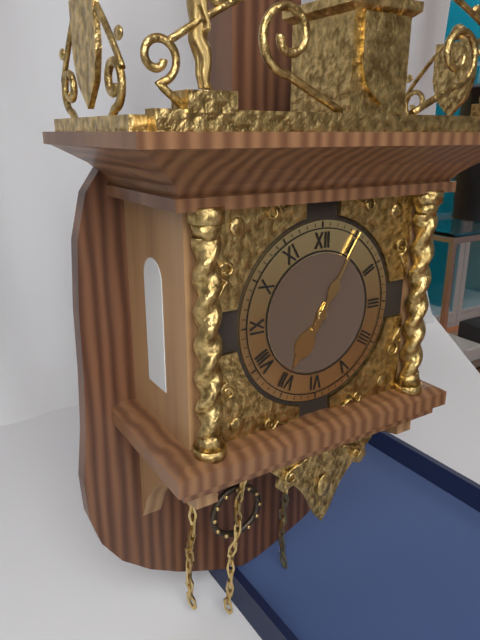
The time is h=7 m=5
